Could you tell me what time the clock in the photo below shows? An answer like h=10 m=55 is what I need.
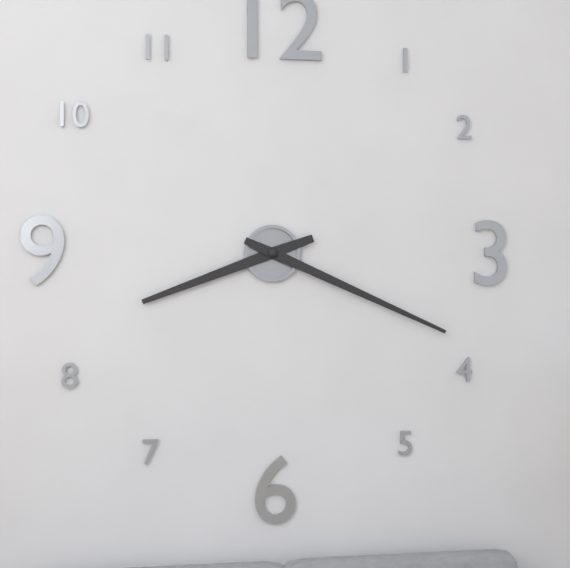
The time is h=8 m=19
